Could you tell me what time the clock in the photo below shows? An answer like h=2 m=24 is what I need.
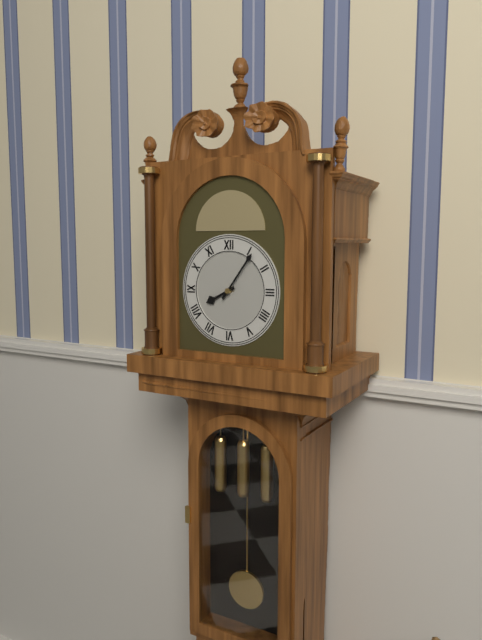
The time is h=8 m=6
